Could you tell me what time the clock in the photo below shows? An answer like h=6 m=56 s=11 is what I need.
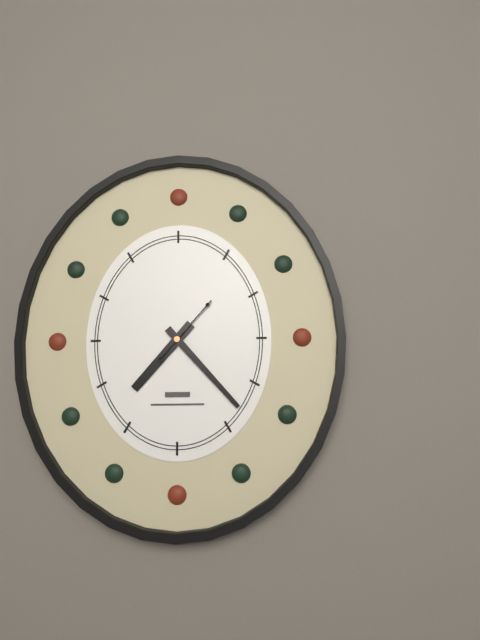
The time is h=7 m=23 s=7
